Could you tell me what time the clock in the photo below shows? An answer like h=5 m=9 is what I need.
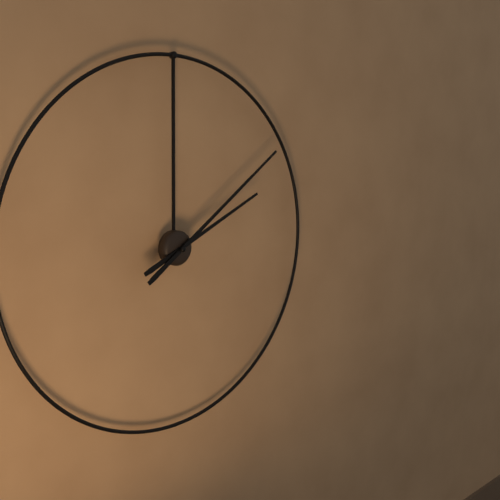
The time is h=2 m=9
